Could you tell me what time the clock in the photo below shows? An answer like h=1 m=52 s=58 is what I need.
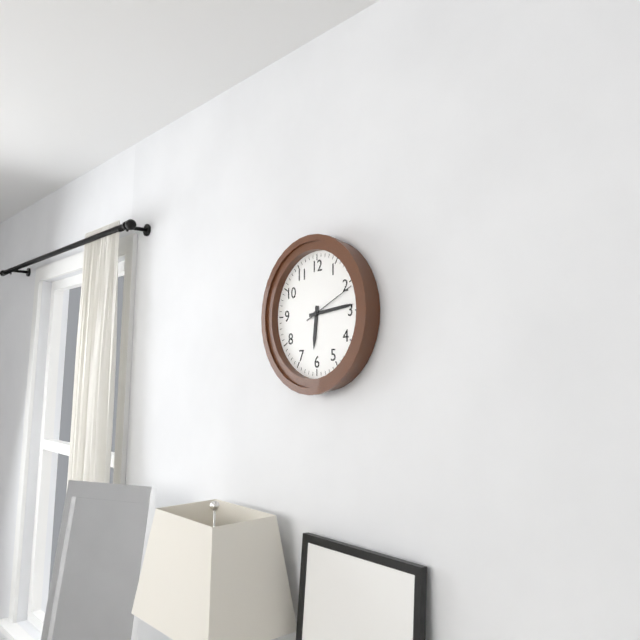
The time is h=6 m=14 s=11
